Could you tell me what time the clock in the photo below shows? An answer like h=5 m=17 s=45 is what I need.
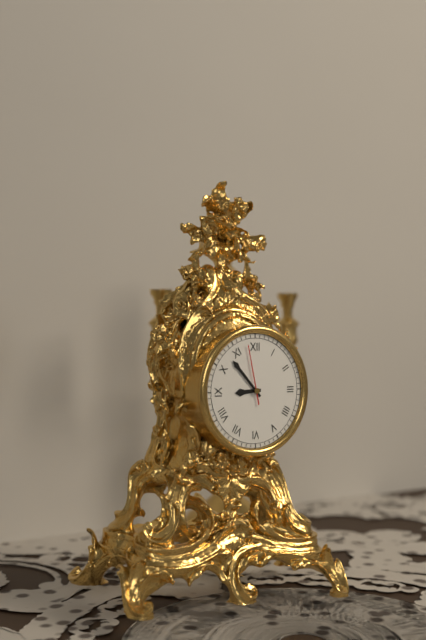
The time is h=8 m=53 s=58
